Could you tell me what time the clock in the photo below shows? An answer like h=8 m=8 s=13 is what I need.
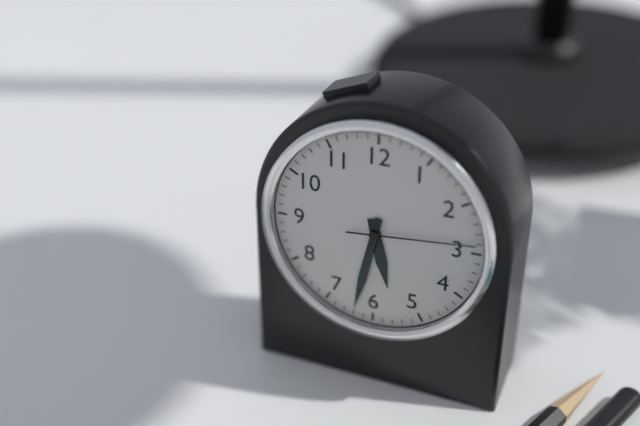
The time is h=5 m=32 s=14
